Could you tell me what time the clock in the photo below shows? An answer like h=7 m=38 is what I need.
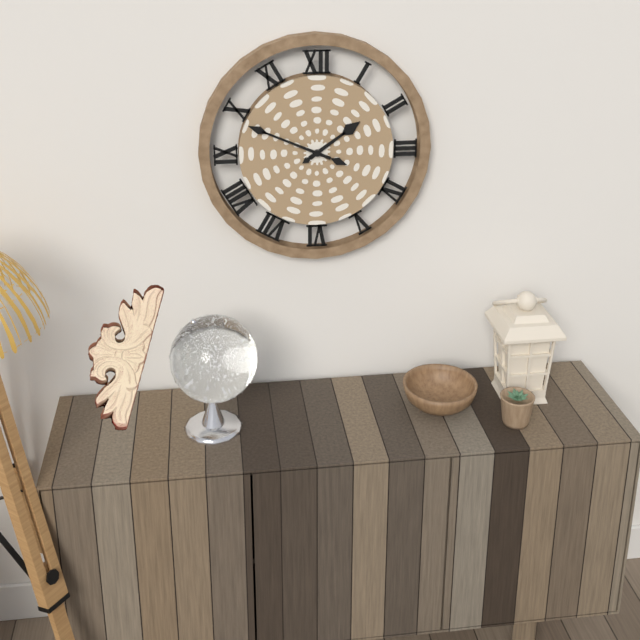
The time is h=1 m=49
